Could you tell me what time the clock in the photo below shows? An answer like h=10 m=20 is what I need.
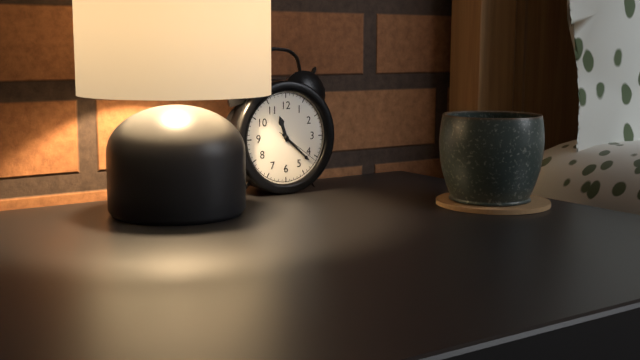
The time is h=11 m=22
